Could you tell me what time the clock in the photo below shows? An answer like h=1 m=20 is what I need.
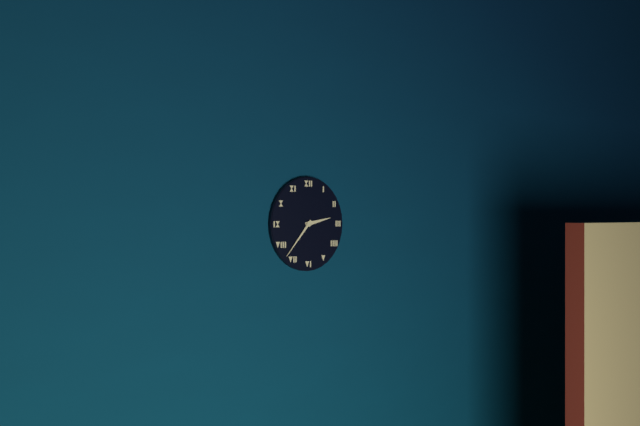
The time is h=2 m=37
